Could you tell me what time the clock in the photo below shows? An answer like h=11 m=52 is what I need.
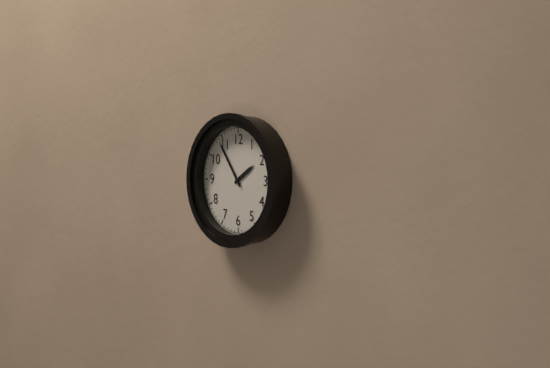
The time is h=1 m=54
